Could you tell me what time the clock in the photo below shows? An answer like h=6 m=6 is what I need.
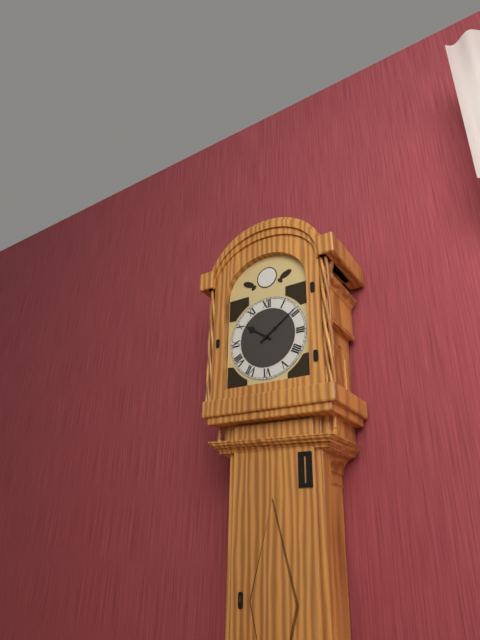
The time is h=10 m=9
